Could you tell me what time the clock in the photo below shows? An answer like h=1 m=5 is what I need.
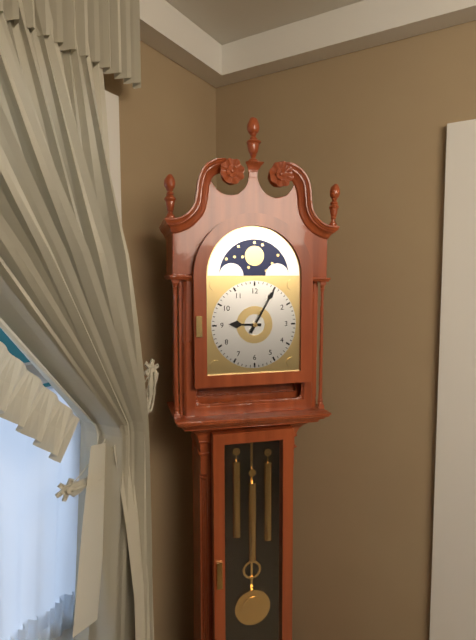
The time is h=9 m=5
